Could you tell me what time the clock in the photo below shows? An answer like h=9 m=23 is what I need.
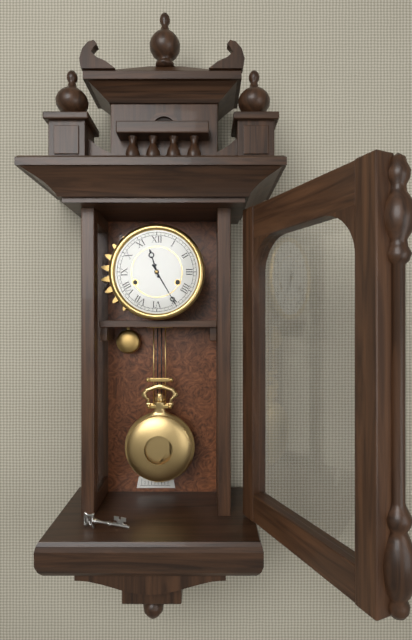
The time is h=11 m=25
